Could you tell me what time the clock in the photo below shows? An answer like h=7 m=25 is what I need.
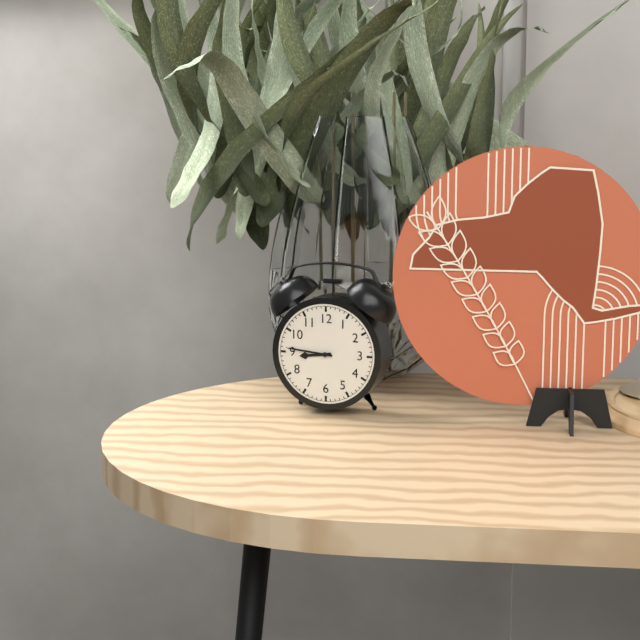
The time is h=8 m=46
